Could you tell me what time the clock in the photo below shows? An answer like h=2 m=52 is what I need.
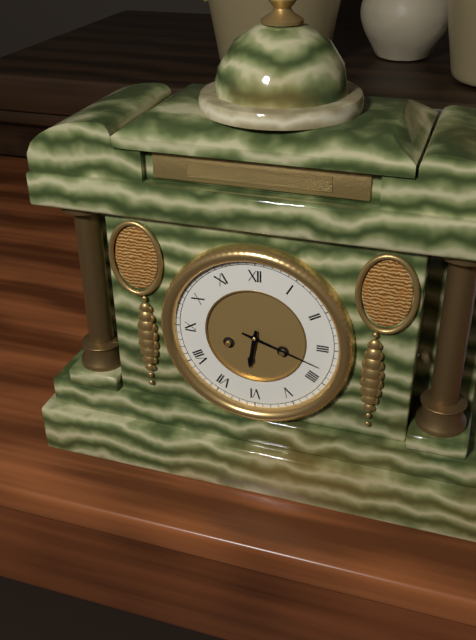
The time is h=6 m=18
